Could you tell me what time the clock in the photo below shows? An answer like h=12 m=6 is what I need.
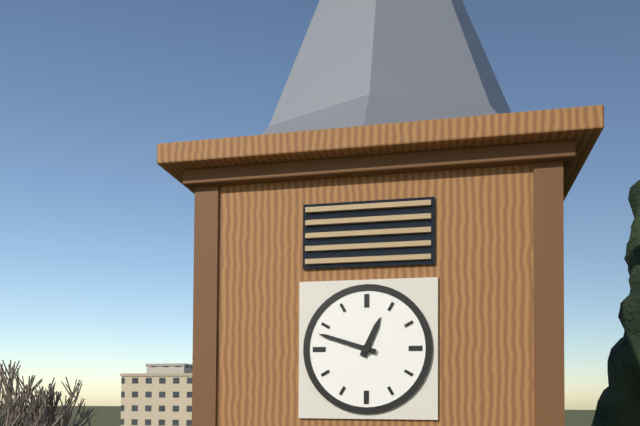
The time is h=12 m=48
